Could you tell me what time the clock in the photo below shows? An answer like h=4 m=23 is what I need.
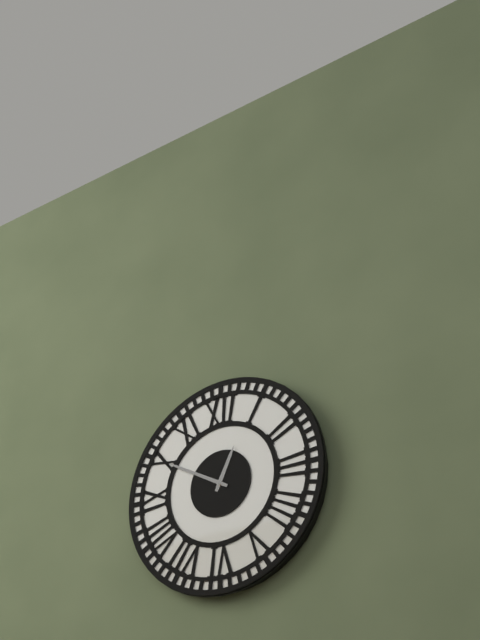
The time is h=12 m=50
